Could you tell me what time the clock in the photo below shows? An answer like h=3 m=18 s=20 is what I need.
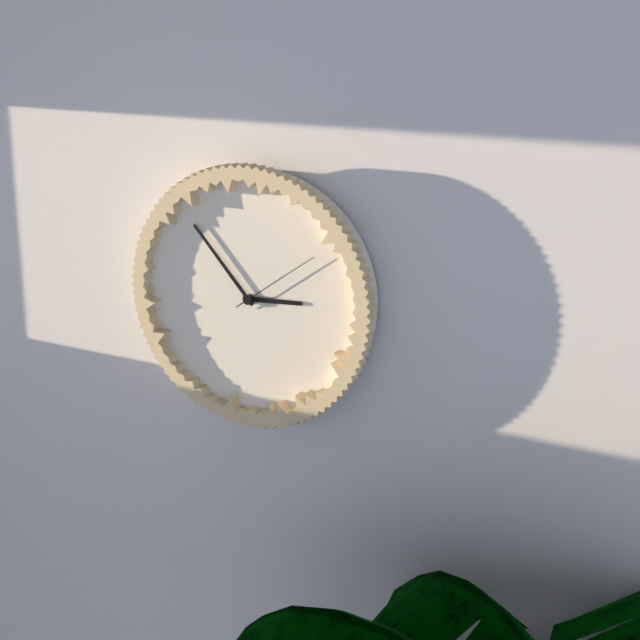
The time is h=2 m=53 s=9
